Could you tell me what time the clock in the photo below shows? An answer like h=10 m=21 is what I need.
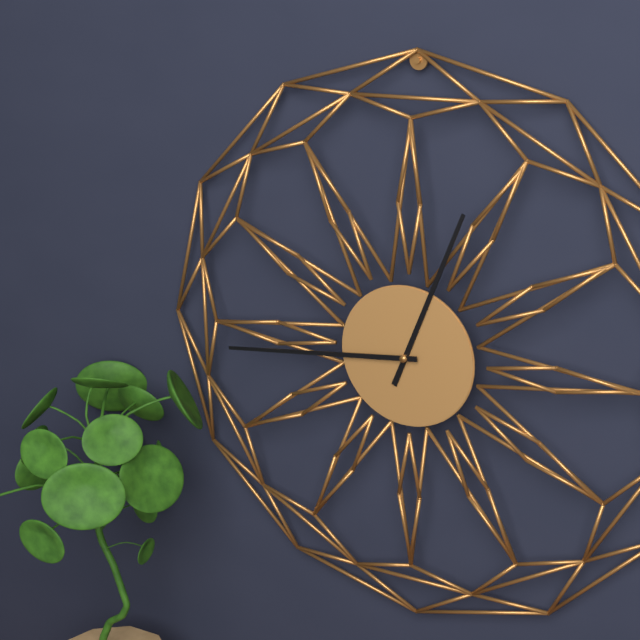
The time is h=12 m=44
